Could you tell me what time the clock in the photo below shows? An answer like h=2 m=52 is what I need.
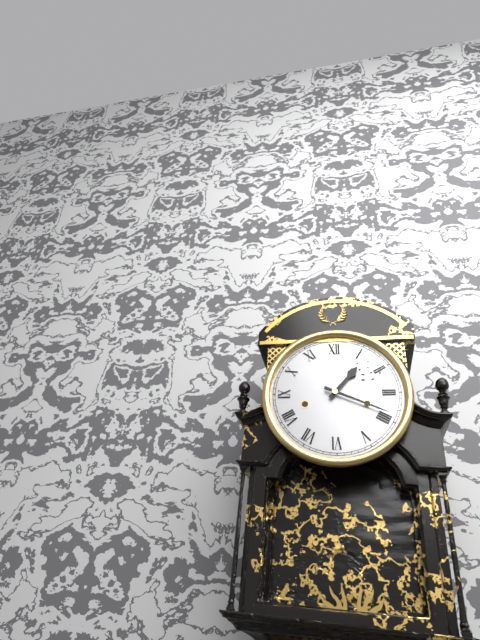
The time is h=1 m=19
